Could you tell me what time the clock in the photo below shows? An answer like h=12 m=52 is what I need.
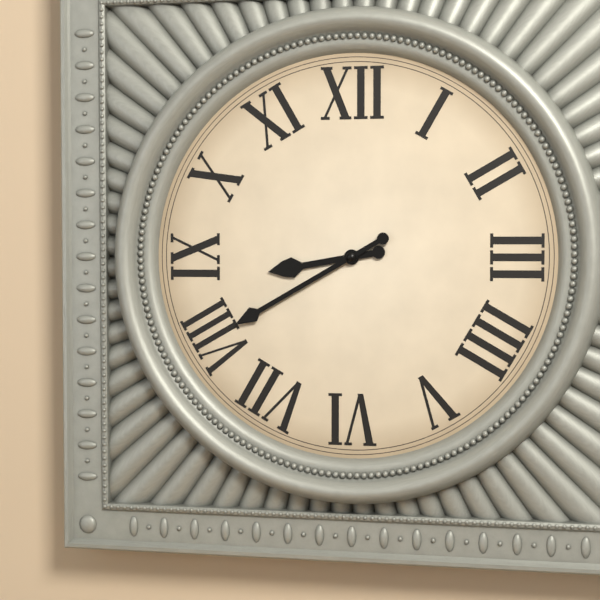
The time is h=8 m=40
